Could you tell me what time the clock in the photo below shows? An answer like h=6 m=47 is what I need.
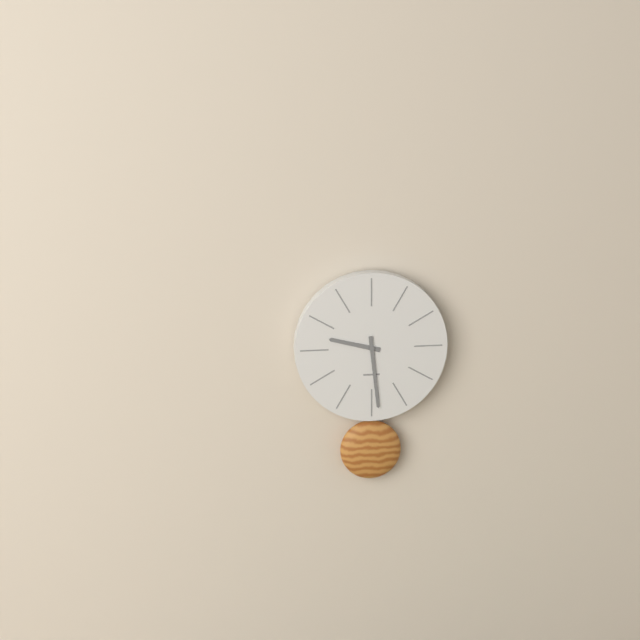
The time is h=9 m=29
